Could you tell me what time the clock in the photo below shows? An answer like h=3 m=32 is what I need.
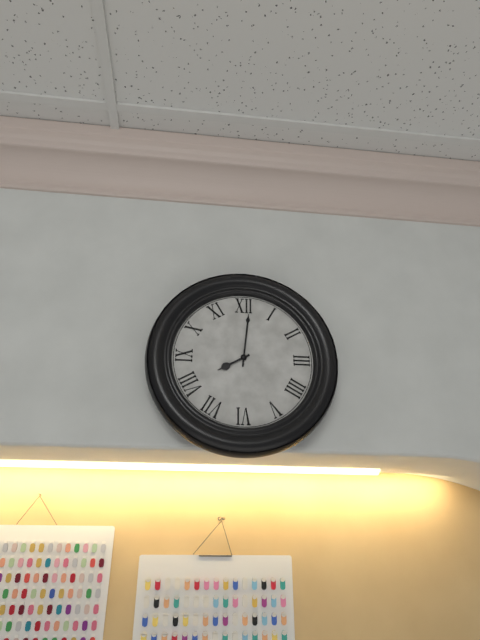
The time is h=8 m=1
